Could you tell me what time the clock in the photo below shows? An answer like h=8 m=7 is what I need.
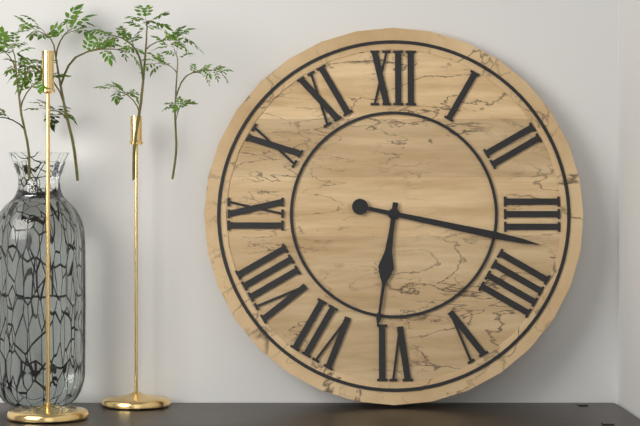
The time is h=6 m=17
